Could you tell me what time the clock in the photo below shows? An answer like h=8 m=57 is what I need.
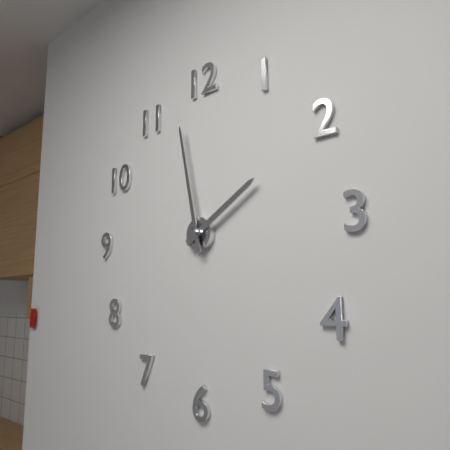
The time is h=1 m=58
